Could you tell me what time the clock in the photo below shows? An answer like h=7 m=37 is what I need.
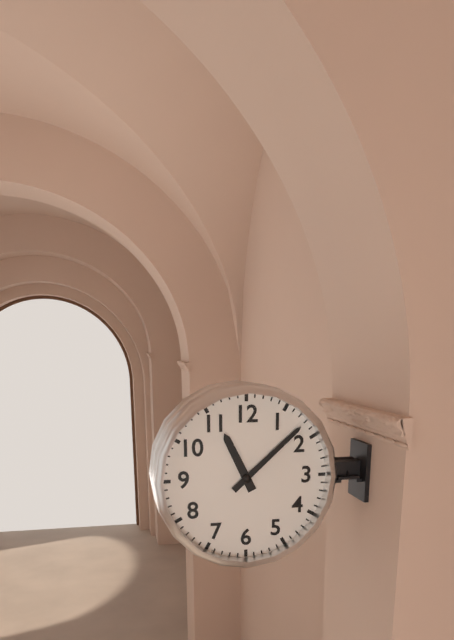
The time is h=11 m=8
